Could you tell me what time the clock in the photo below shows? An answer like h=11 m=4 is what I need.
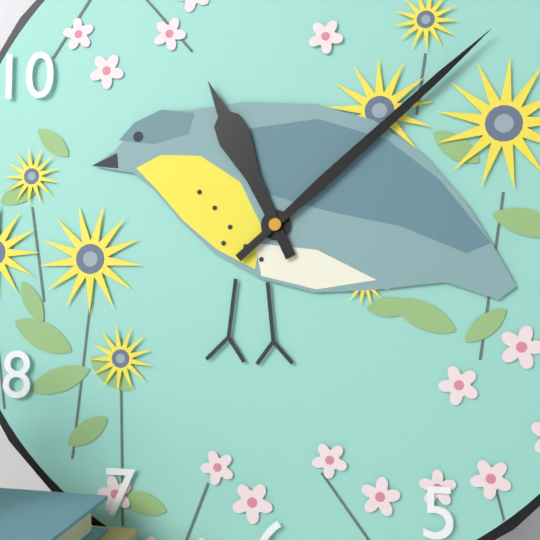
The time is h=11 m=8
